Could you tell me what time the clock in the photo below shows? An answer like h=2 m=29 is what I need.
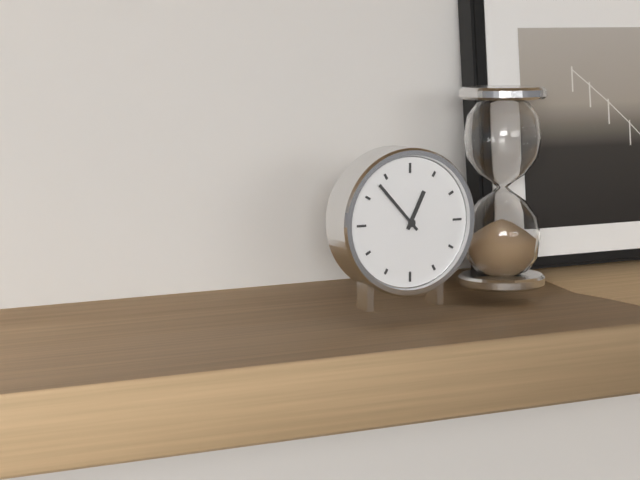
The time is h=12 m=53
